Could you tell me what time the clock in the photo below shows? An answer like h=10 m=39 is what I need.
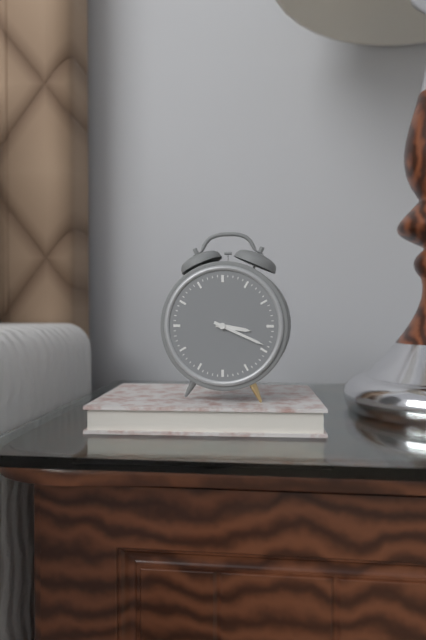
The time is h=3 m=19
